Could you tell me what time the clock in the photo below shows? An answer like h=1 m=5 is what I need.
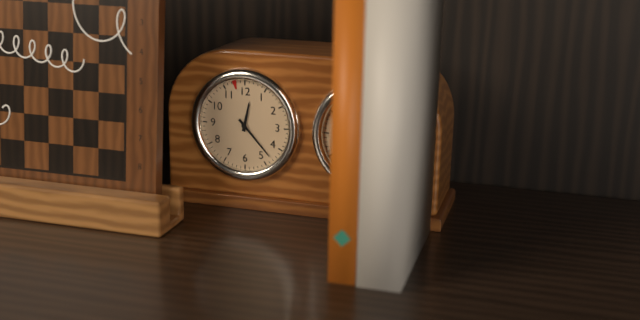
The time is h=12 m=23
